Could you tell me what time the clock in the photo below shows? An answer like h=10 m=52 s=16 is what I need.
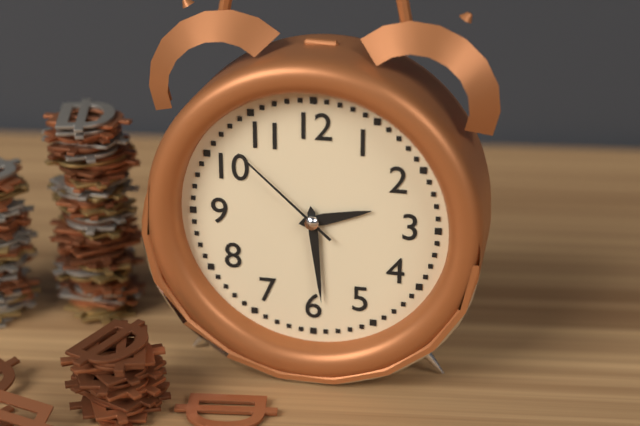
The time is h=2 m=29 s=52
